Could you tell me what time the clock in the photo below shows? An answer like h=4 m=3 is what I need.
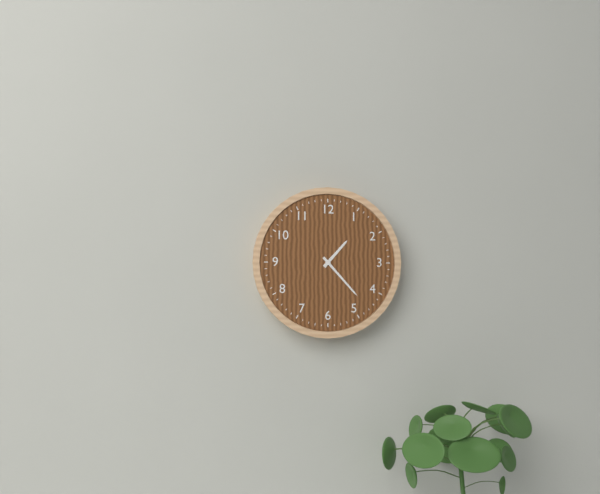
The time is h=1 m=23
